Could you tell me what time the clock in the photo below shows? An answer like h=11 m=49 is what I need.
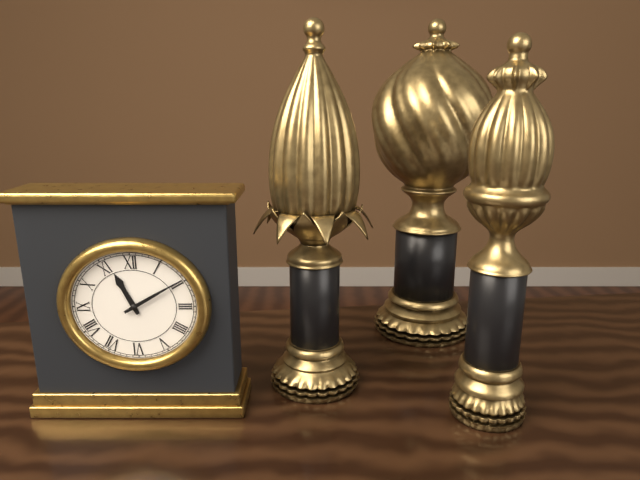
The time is h=11 m=10
